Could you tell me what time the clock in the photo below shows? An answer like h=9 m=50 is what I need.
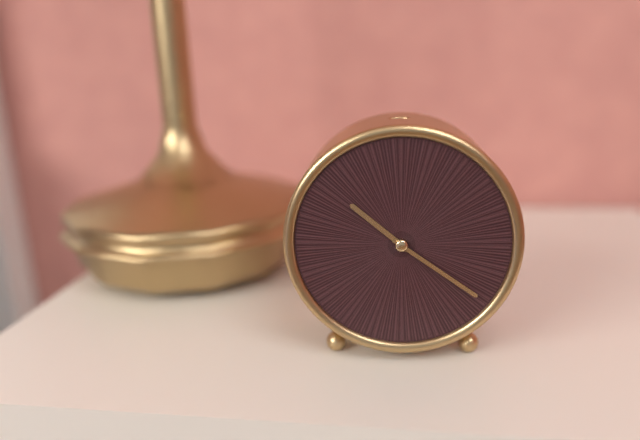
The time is h=10 m=21
